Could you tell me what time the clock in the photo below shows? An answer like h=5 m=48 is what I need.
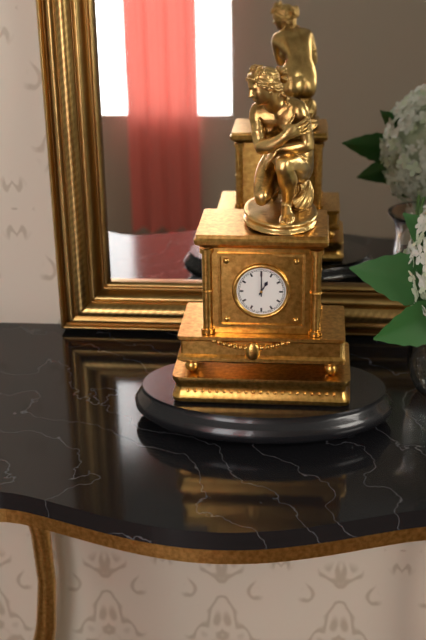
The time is h=1 m=0
